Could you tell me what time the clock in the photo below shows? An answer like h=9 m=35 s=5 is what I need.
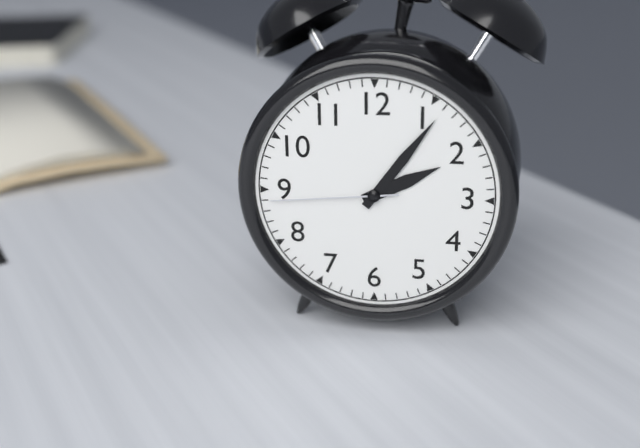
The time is h=2 m=6 s=44
